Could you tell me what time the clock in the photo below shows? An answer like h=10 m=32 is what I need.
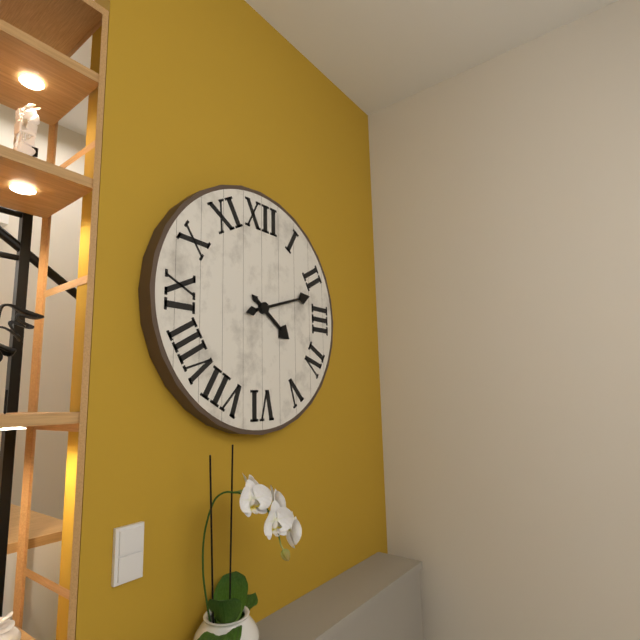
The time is h=4 m=12
